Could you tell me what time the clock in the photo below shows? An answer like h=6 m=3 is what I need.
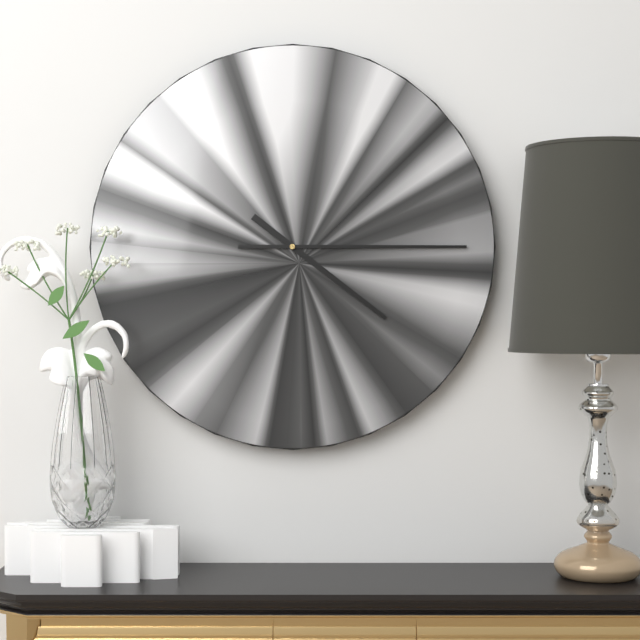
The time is h=4 m=15
